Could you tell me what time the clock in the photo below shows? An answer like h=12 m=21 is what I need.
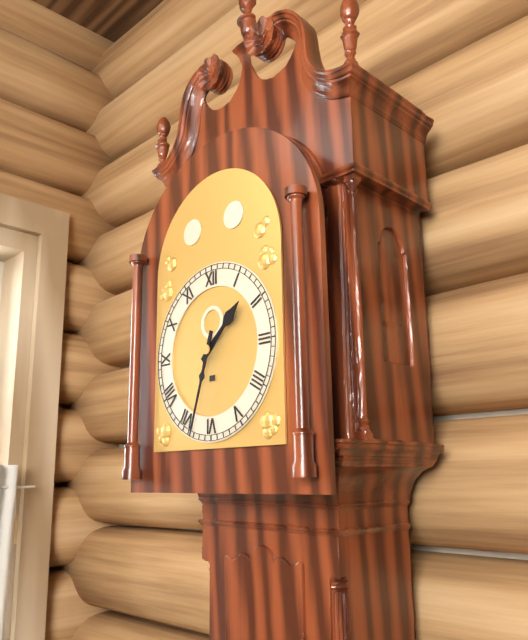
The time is h=1 m=33
